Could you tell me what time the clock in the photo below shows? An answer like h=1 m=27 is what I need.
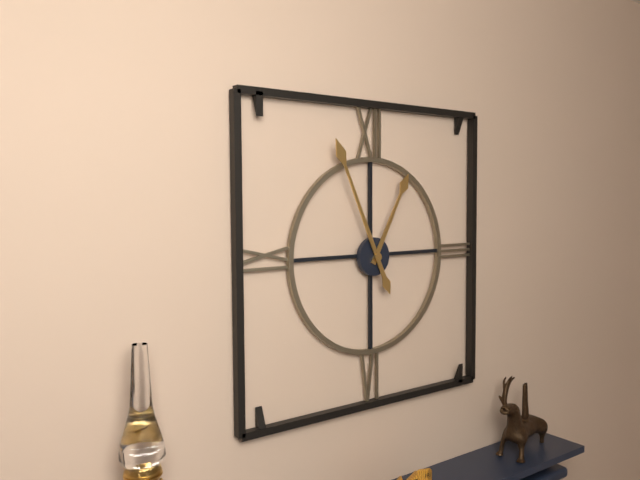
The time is h=12 m=56
